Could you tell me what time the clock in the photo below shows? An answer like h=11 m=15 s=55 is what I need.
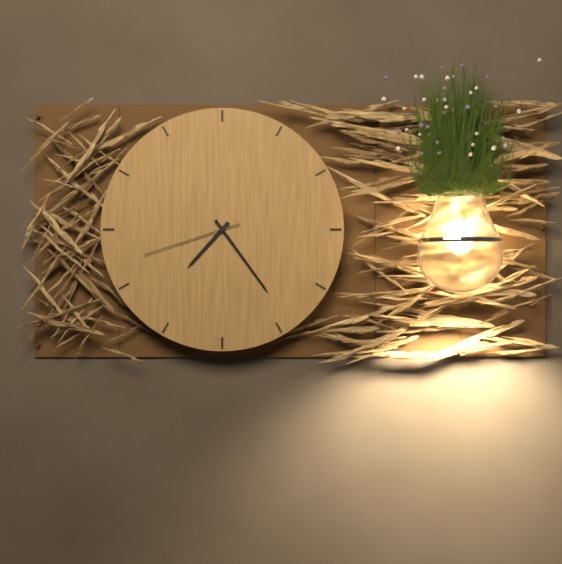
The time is h=7 m=24 s=42
